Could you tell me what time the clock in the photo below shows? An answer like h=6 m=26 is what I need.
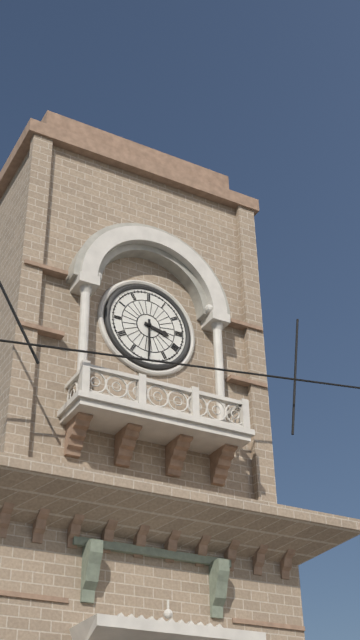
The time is h=3 m=30
